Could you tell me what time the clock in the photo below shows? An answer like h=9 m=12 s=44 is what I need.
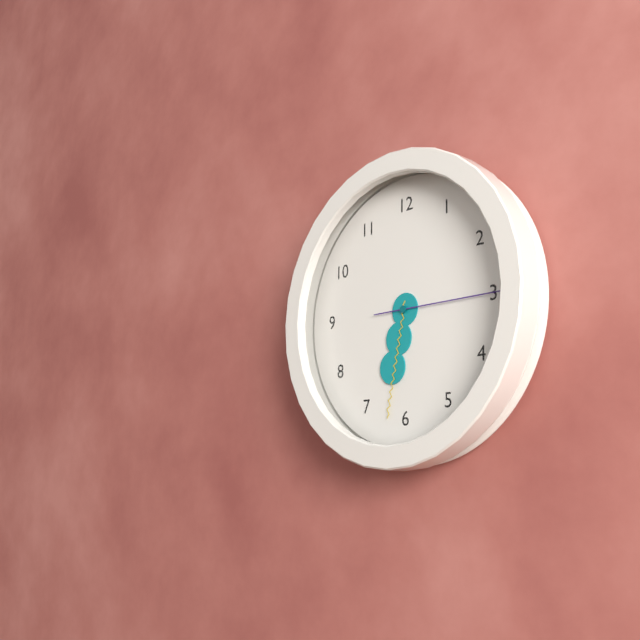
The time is h=6 m=32 s=15
